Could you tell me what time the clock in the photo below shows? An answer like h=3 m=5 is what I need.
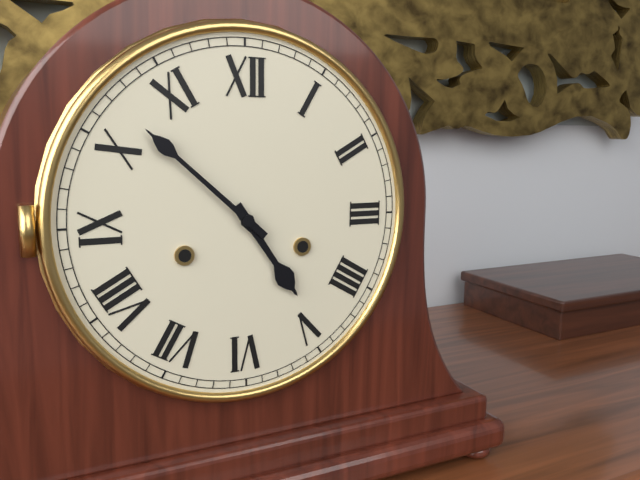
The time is h=4 m=52
